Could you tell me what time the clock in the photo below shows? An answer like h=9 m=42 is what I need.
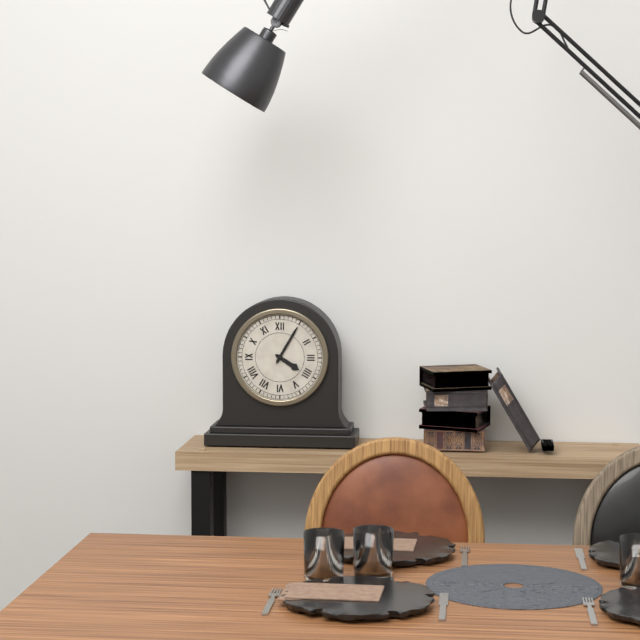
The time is h=4 m=5
